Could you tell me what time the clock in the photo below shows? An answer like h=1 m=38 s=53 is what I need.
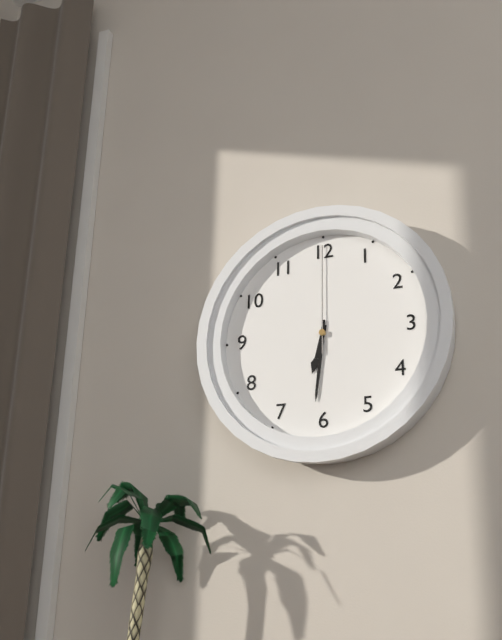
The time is h=6 m=31 s=0
